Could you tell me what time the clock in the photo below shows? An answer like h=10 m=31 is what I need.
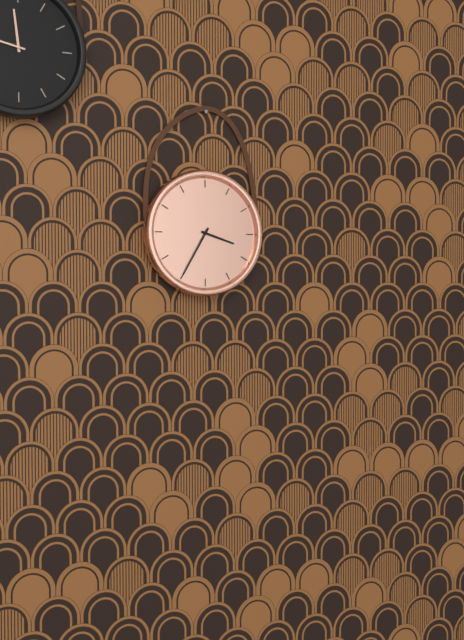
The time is h=3 m=35
